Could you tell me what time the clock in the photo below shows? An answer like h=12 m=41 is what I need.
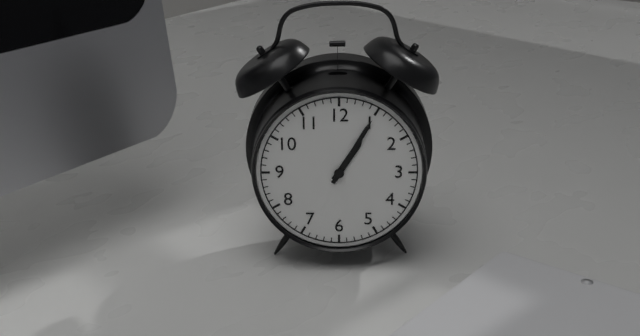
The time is h=1 m=5
